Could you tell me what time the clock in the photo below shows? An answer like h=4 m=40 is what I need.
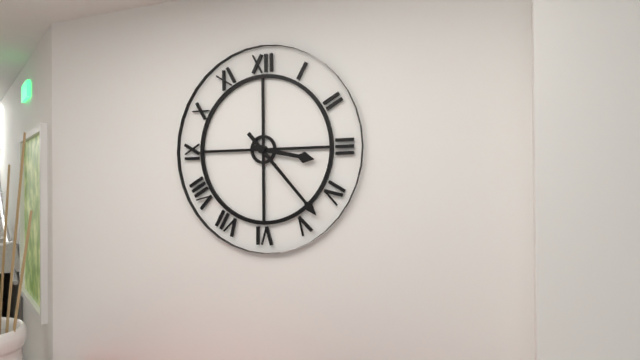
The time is h=3 m=23
